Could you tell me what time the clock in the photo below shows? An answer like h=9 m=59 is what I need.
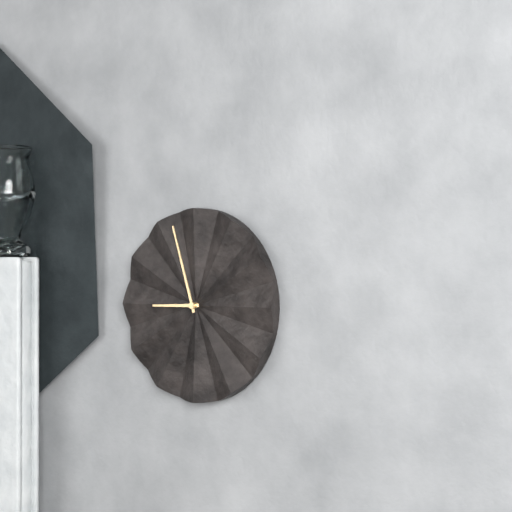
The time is h=8 m=57
